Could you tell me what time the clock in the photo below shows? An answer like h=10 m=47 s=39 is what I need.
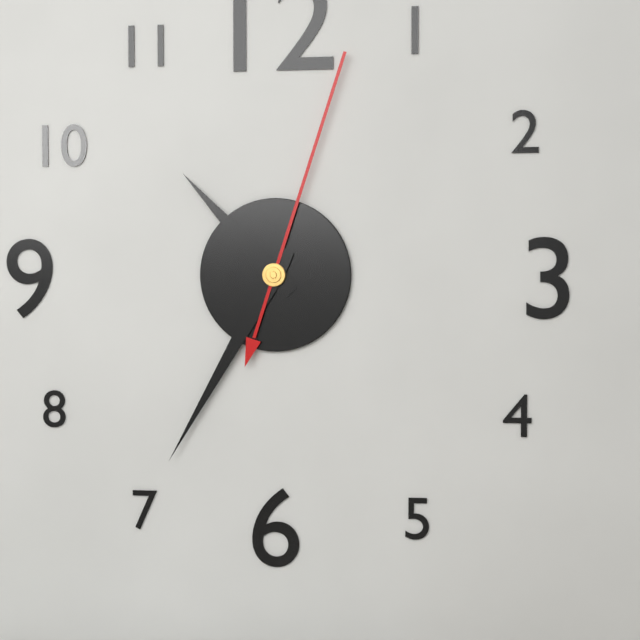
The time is h=10 m=35 s=3
